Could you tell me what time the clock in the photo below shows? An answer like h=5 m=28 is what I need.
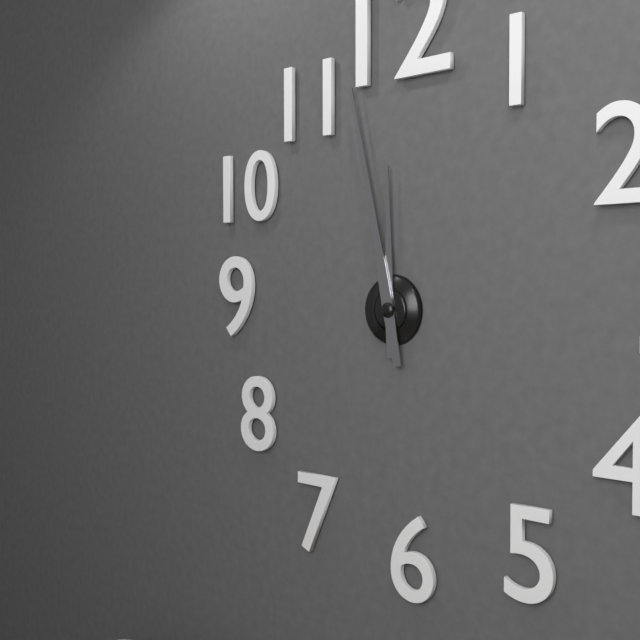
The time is h=11 m=58
